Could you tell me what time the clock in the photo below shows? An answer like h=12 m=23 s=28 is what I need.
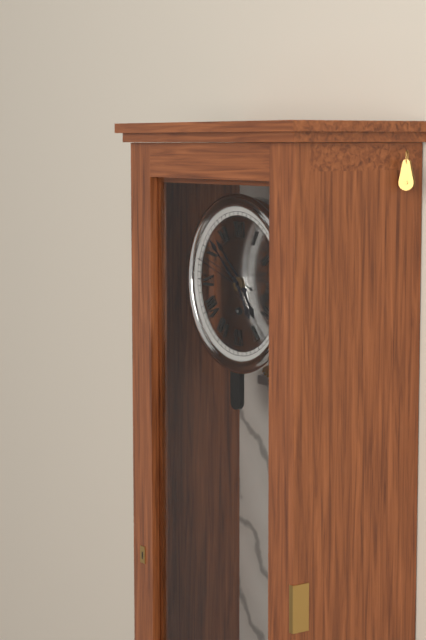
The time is h=4 m=52 s=48
